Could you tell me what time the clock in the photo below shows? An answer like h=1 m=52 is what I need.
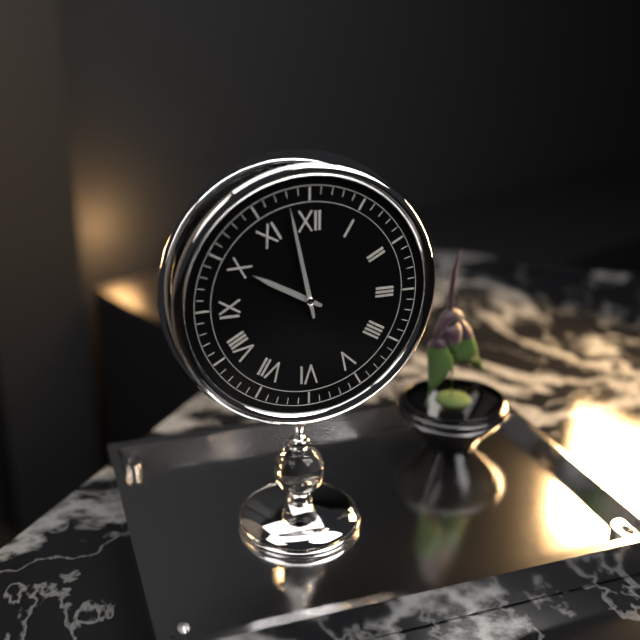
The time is h=9 m=58
